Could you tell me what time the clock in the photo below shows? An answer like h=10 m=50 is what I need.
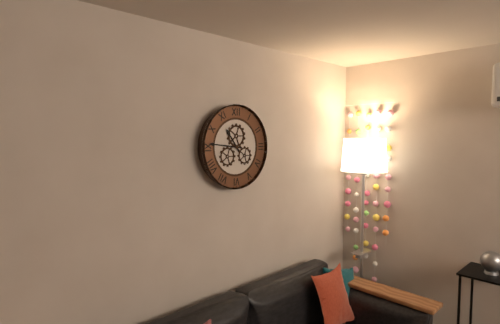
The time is h=10 m=46
